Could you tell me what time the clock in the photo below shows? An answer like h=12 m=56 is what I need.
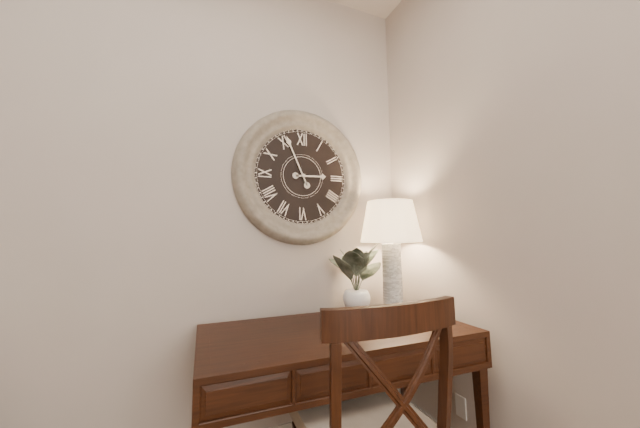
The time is h=2 m=56
